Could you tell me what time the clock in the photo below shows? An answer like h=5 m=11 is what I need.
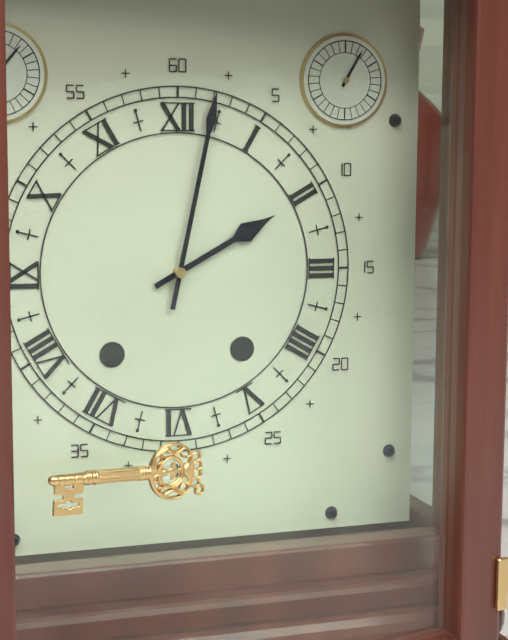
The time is h=2 m=2
